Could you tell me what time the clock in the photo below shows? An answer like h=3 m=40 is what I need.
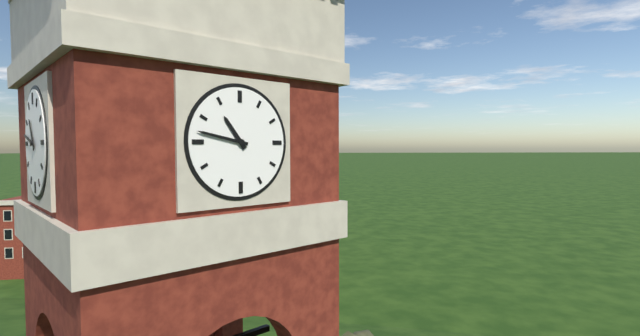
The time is h=10 m=47
